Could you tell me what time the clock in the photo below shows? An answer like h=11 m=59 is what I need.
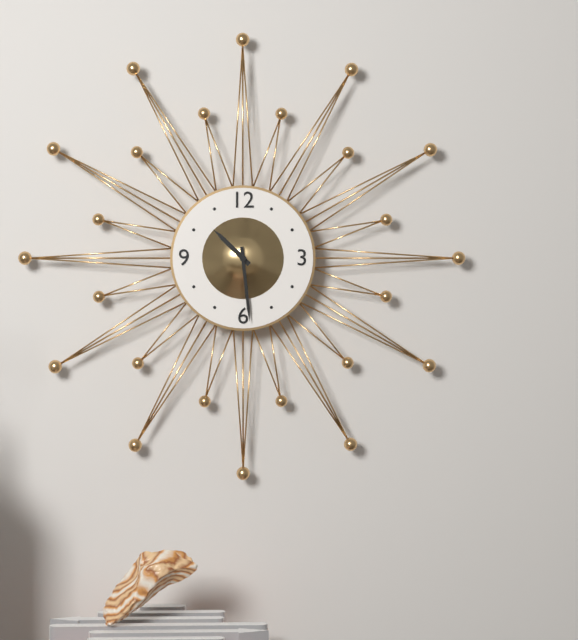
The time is h=10 m=29
